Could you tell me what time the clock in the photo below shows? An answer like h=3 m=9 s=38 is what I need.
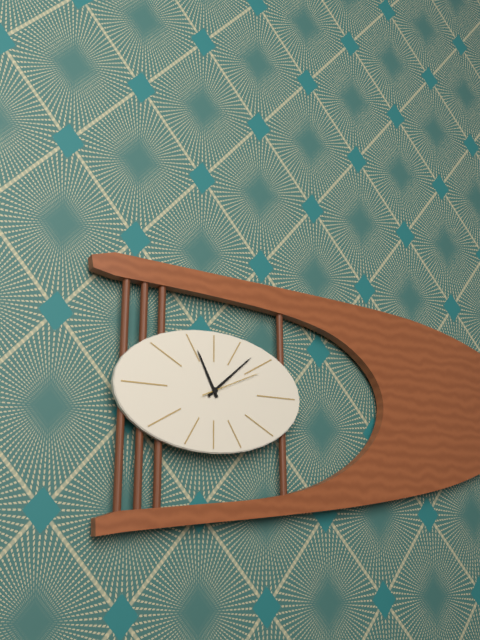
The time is h=11 m=8 s=11
